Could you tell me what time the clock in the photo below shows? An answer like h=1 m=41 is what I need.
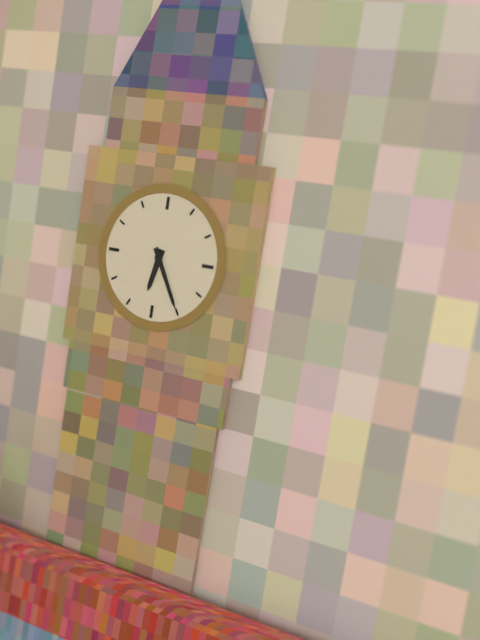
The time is h=6 m=25
